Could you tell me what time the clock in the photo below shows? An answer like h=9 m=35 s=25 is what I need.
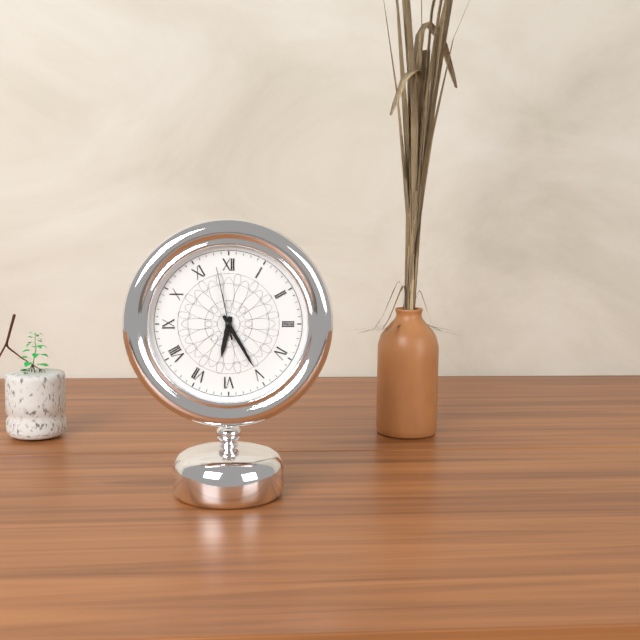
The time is h=6 m=25 s=58
